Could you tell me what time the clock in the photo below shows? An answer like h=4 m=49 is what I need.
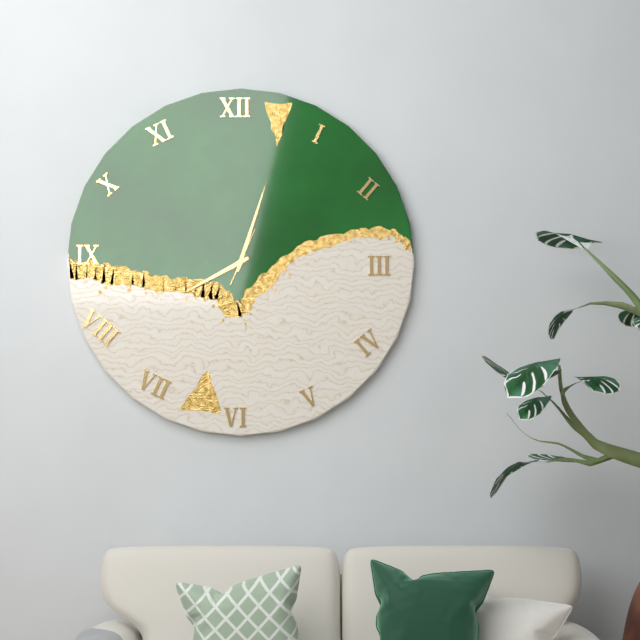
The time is h=8 m=3
